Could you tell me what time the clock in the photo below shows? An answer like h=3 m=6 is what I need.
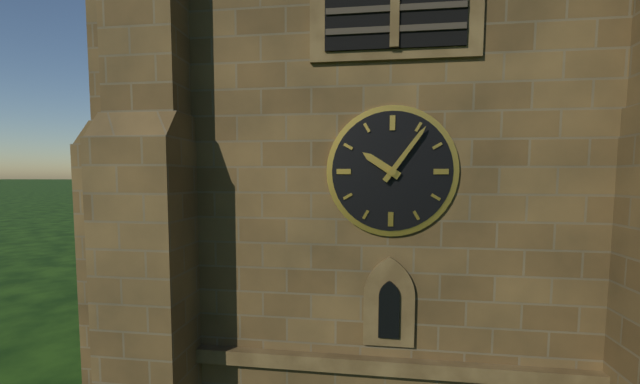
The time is h=10 m=6
